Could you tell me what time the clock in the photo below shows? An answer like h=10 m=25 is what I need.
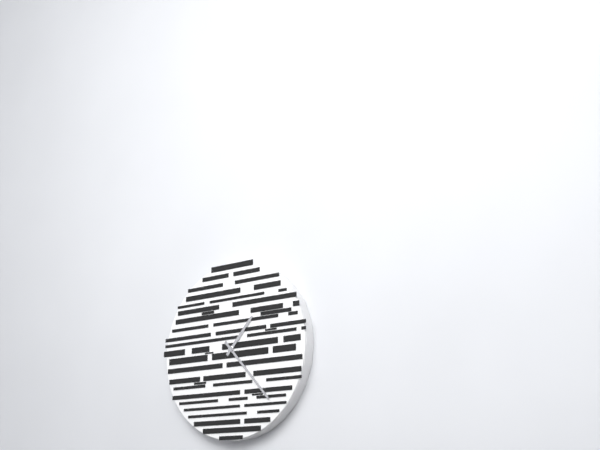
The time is h=1 m=23
